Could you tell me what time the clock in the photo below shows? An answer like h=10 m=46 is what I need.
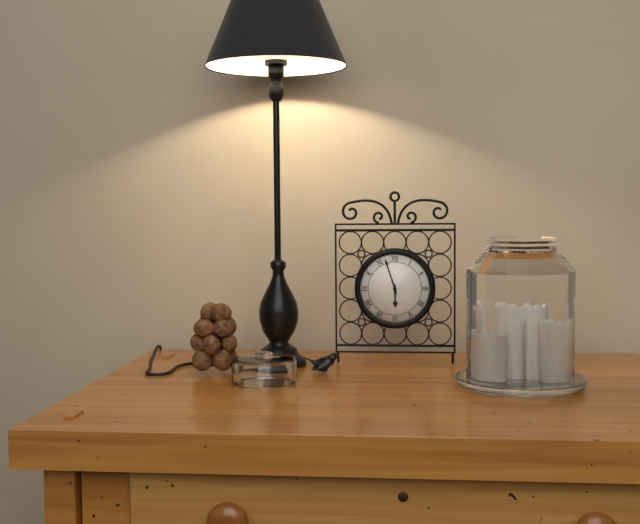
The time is h=5 m=57
